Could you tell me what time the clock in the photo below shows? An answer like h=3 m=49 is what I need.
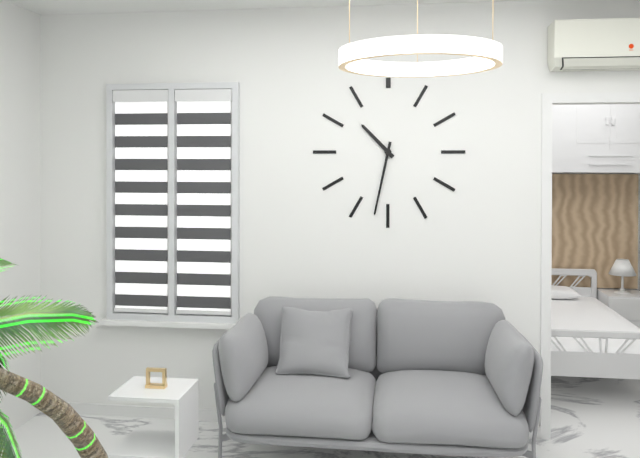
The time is h=10 m=32
